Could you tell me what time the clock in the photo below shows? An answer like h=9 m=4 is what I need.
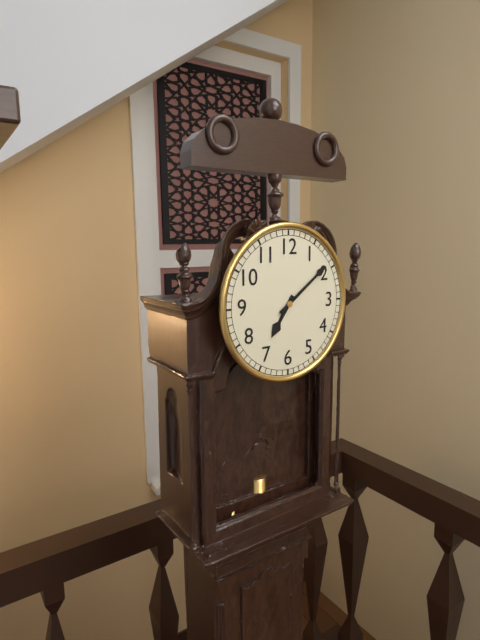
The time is h=7 m=9
